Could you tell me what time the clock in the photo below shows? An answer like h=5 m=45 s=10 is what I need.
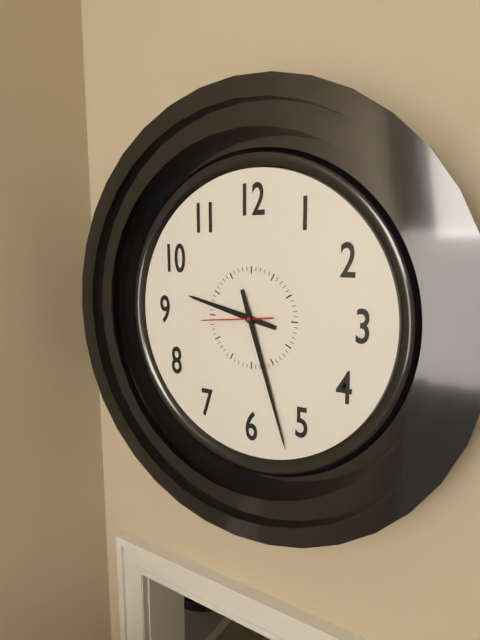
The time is h=9 m=27 s=44
